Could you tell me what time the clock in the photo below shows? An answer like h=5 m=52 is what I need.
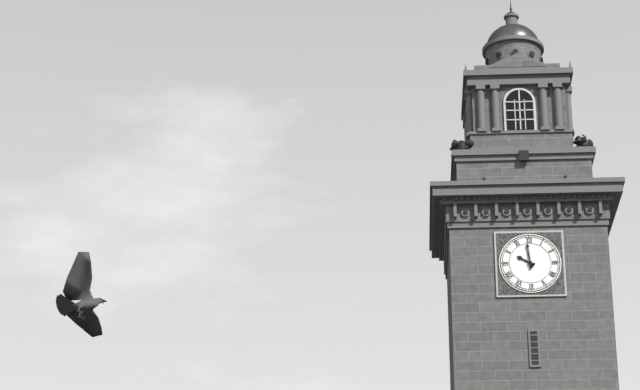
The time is h=9 m=59
